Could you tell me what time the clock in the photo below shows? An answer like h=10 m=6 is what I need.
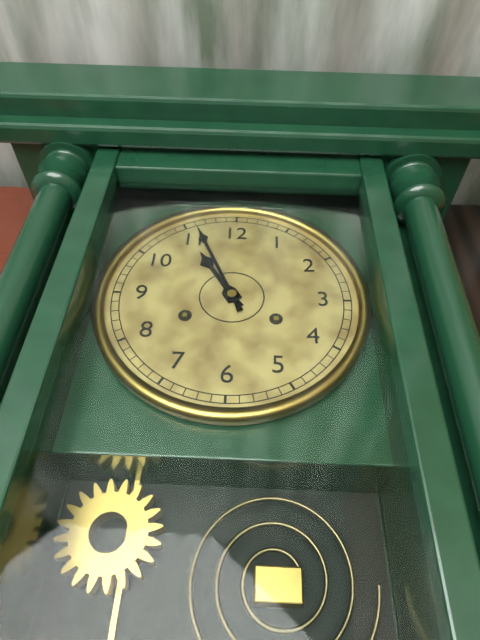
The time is h=10 m=56
